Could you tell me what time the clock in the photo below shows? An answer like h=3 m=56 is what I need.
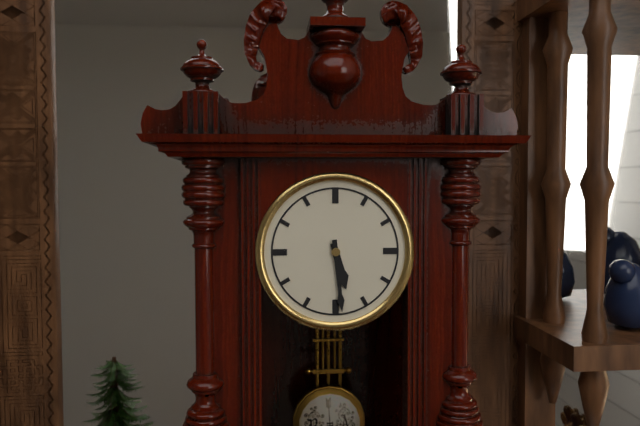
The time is h=5 m=29
